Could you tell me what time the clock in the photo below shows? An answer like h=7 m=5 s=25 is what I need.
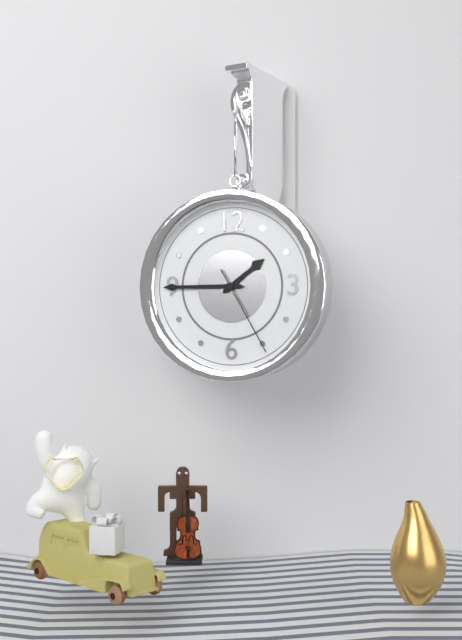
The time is h=1 m=45 s=25
